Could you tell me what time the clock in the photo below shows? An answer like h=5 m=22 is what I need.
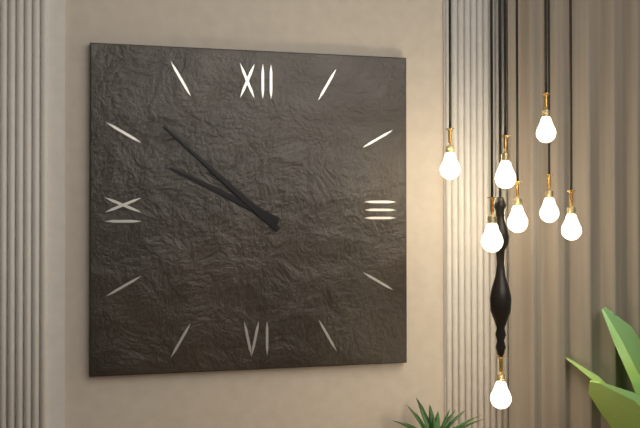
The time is h=9 m=52
